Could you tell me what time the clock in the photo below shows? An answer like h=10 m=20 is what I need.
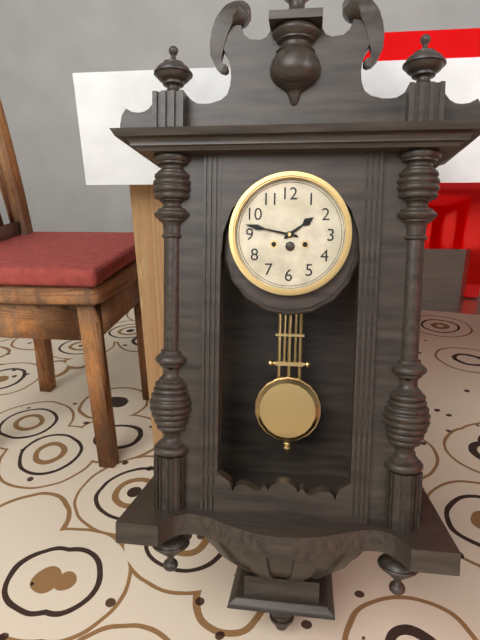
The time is h=1 m=47
